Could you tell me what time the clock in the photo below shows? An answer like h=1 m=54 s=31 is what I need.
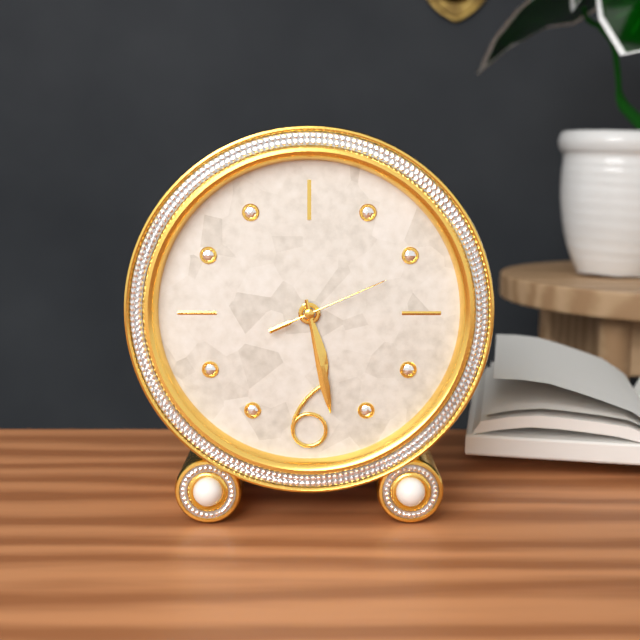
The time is h=5 m=28 s=11
